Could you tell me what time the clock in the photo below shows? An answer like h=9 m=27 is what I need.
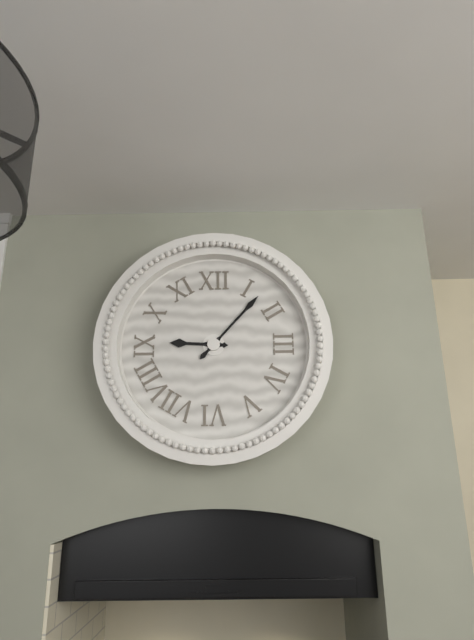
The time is h=9 m=7
